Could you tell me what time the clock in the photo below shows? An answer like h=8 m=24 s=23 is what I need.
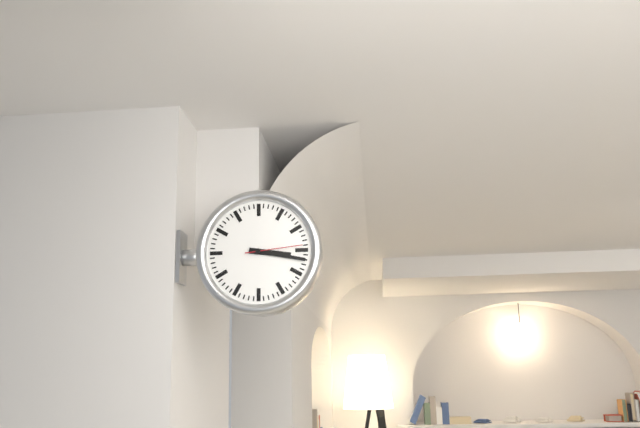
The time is h=3 m=17 s=14
